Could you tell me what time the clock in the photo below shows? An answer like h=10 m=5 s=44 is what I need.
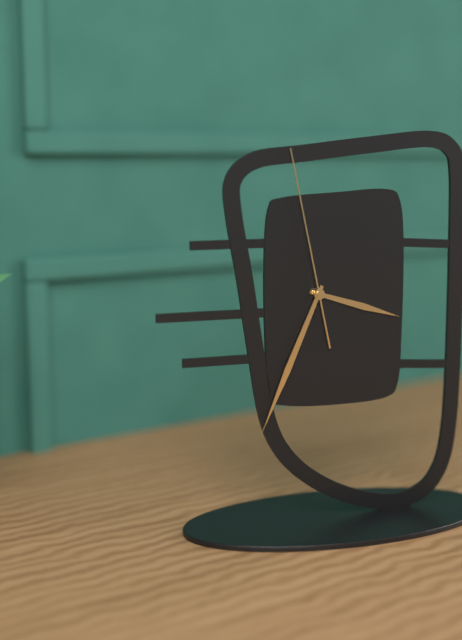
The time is h=3 m=34 s=58
